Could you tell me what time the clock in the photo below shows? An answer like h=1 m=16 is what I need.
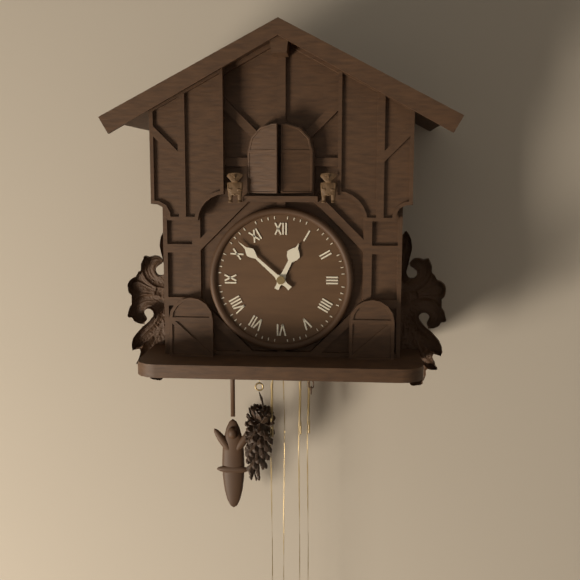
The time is h=12 m=52
